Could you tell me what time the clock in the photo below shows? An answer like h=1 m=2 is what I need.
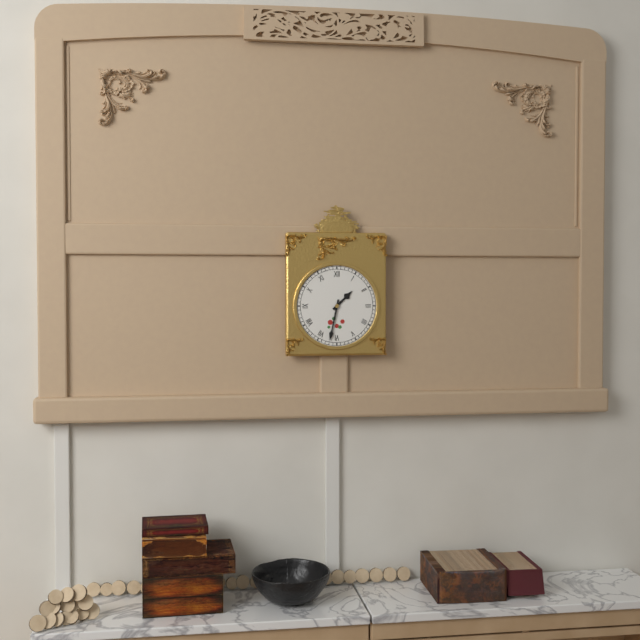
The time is h=1 m=32
